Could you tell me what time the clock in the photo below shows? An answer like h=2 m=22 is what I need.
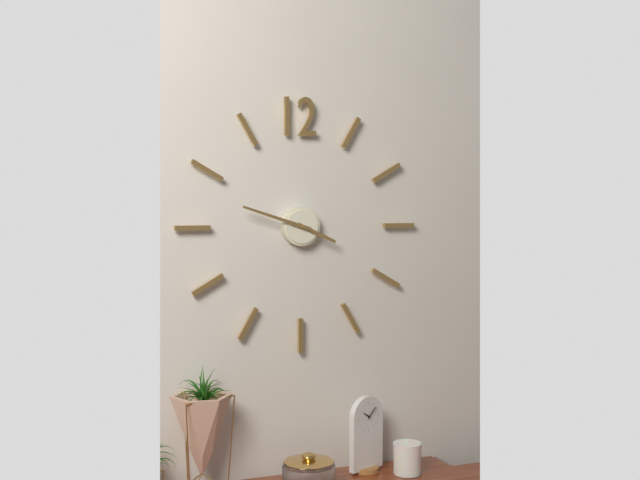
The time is h=3 m=48
